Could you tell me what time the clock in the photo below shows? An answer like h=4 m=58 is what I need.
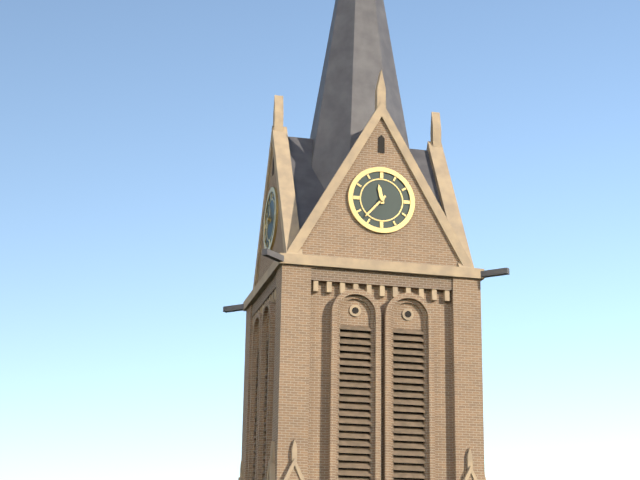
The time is h=11 m=37
